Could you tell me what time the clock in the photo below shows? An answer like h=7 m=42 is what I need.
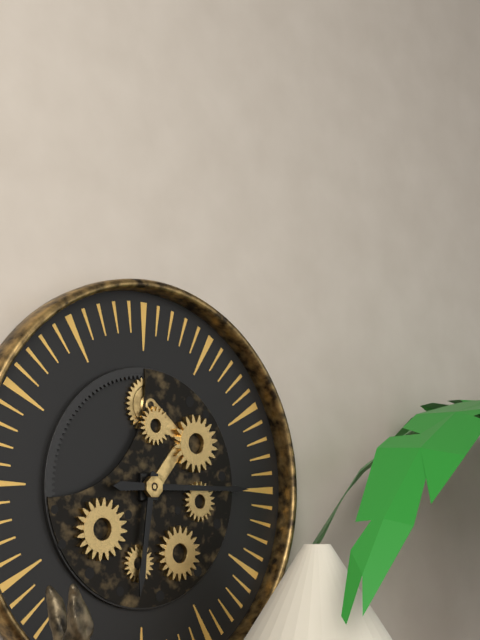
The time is h=6 m=15
